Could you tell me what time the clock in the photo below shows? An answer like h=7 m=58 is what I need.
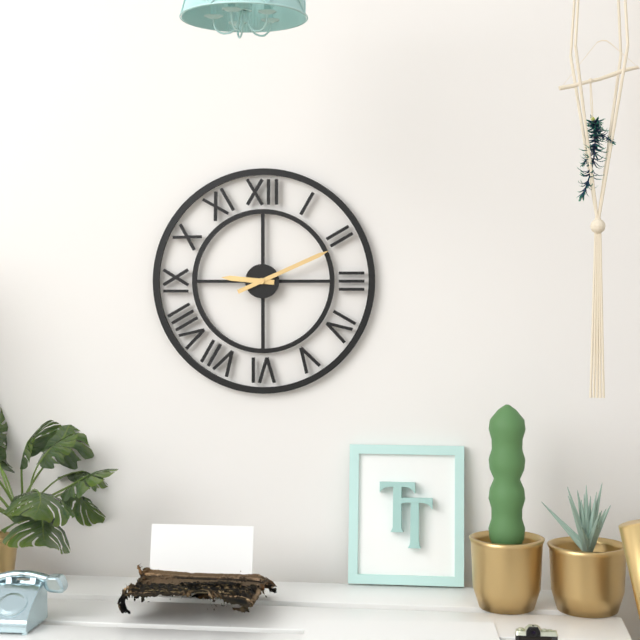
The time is h=9 m=11
